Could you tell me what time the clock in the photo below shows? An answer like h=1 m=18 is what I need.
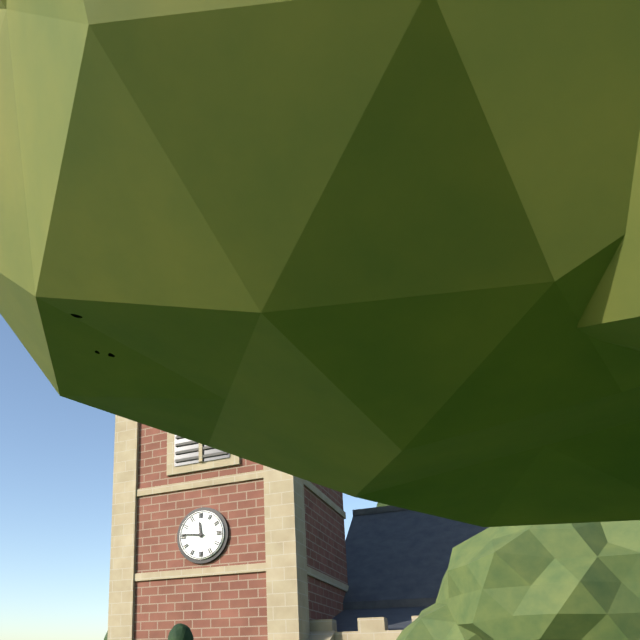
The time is h=11 m=46
